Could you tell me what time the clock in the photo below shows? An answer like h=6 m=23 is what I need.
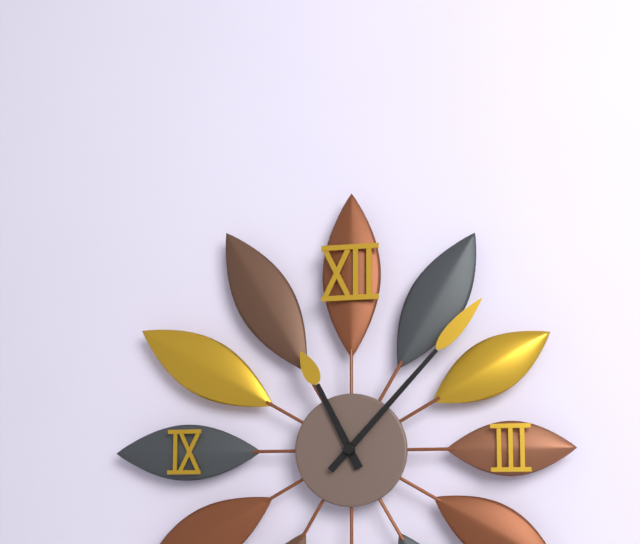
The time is h=11 m=7
